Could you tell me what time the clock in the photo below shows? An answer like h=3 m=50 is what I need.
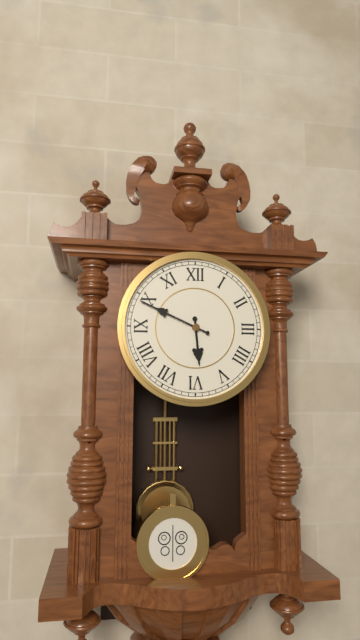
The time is h=5 m=49
